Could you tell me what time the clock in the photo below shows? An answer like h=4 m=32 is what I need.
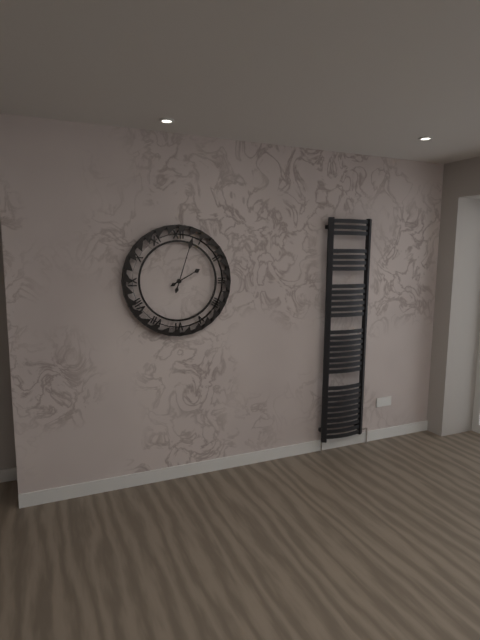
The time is h=2 m=3
